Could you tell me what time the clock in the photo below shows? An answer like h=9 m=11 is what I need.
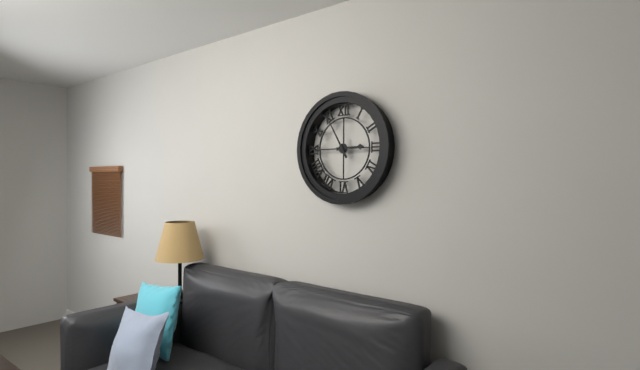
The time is h=2 m=55
